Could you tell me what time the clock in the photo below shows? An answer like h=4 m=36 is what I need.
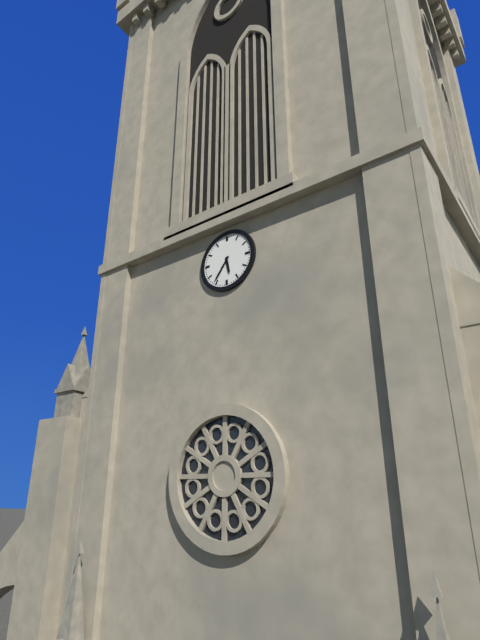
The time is h=5 m=36
